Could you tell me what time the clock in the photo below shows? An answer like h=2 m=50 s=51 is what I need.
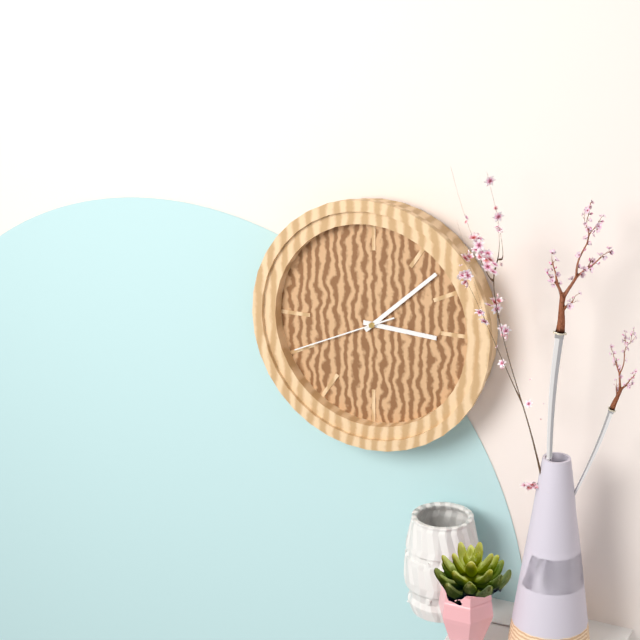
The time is h=3 m=8 s=41
